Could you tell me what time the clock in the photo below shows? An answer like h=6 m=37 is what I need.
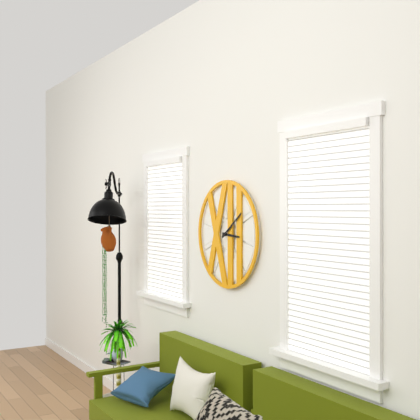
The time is h=3 m=9
